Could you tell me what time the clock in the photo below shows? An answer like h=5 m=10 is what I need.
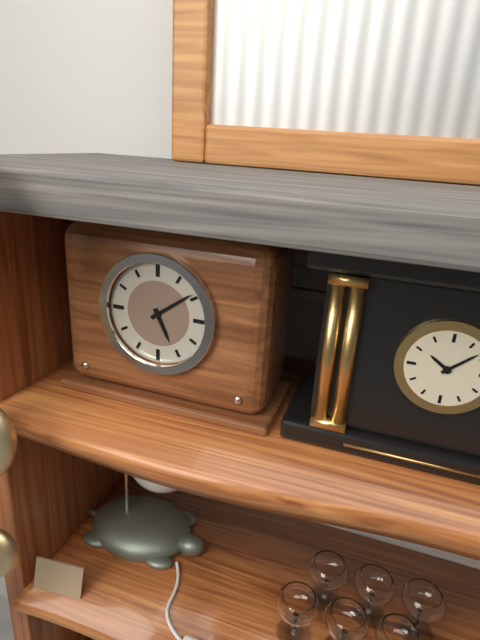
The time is h=5 m=9
